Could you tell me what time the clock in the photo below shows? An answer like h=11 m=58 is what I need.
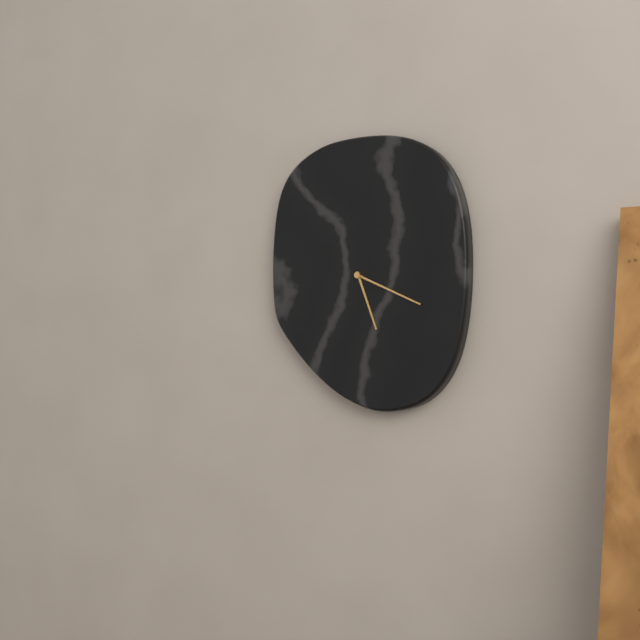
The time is h=5 m=19
